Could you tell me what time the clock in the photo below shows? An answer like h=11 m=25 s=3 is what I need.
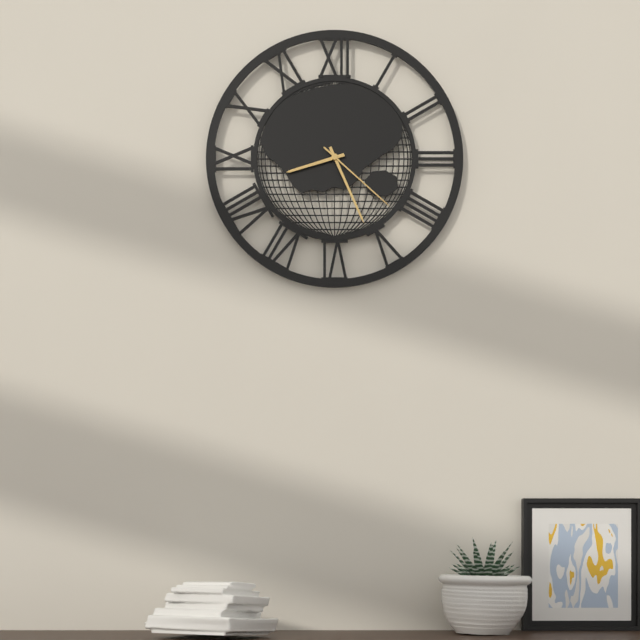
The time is h=8 m=26 s=22
